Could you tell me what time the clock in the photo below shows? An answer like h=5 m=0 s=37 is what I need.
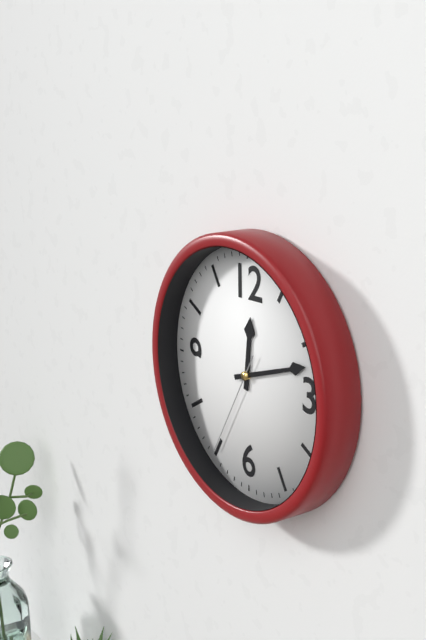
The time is h=12 m=12 s=35
